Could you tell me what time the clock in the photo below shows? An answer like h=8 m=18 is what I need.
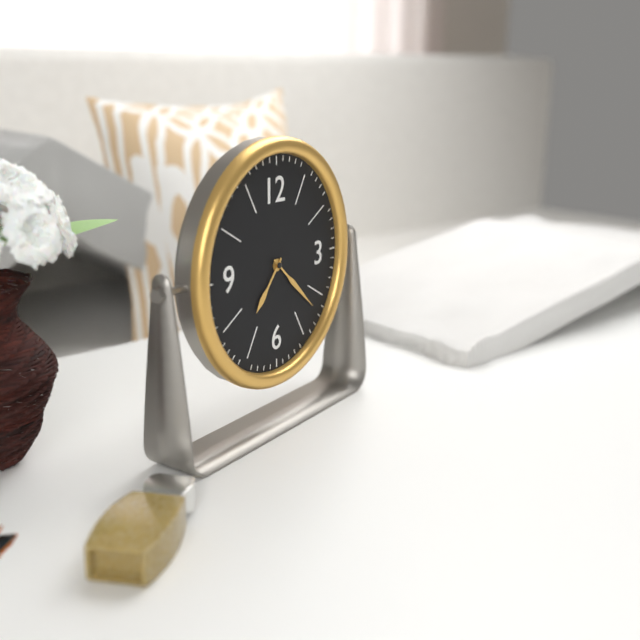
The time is h=7 m=22
